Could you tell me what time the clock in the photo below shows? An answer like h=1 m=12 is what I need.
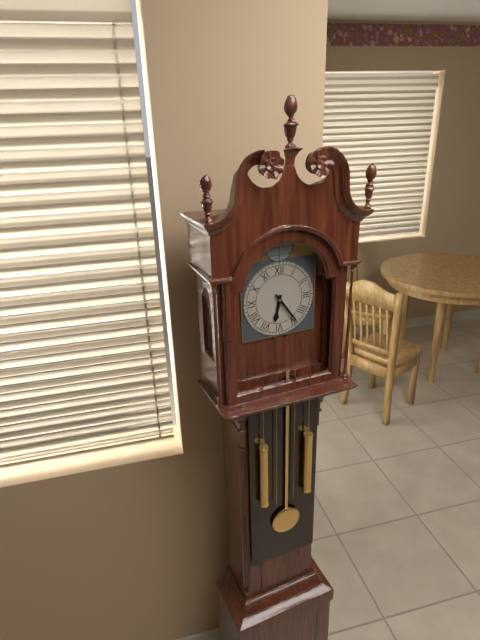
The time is h=6 m=24
